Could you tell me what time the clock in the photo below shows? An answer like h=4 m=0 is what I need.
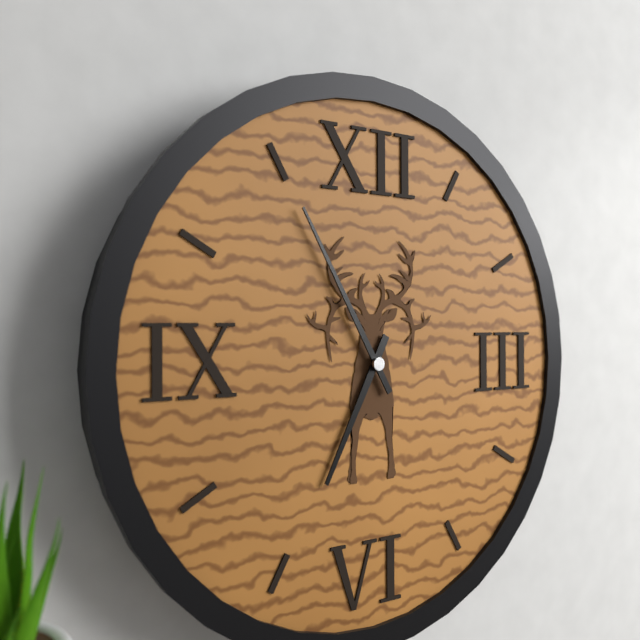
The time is h=6 m=55
